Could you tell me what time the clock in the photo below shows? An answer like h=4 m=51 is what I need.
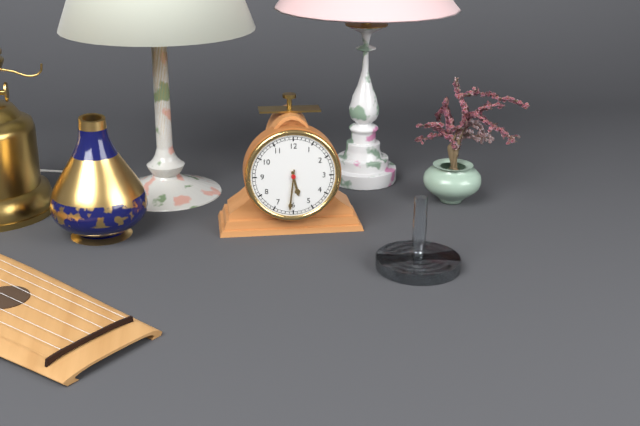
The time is h=5 m=31
